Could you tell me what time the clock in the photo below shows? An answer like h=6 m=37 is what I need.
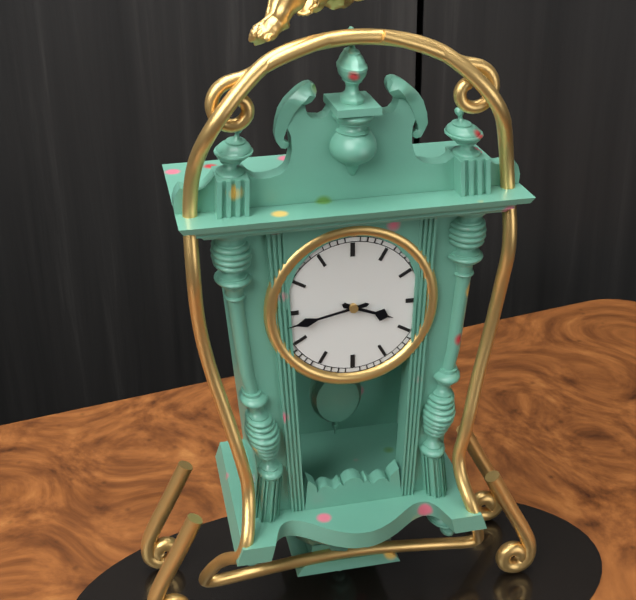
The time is h=3 m=43
